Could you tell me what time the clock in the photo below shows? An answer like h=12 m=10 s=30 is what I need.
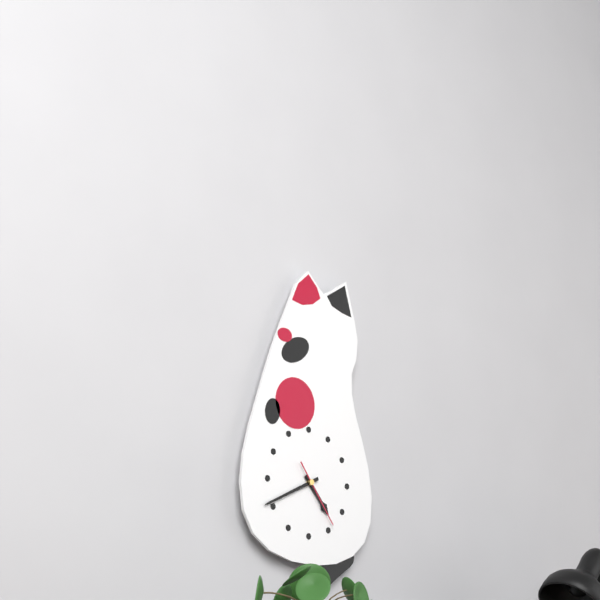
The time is h=4 m=41 s=24
